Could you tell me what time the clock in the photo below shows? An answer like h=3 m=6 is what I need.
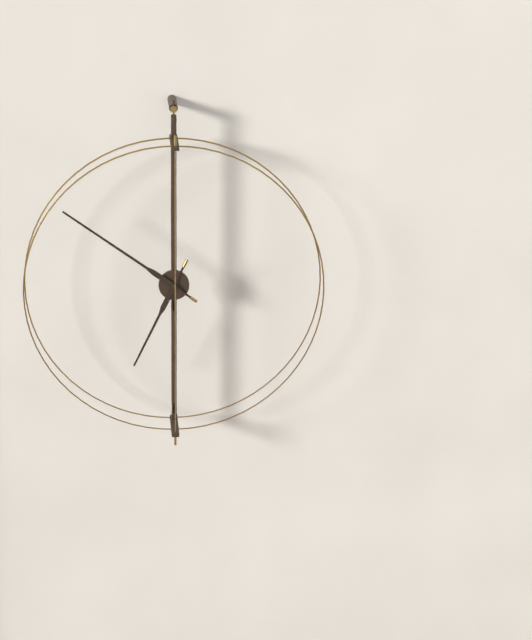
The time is h=6 m=51
